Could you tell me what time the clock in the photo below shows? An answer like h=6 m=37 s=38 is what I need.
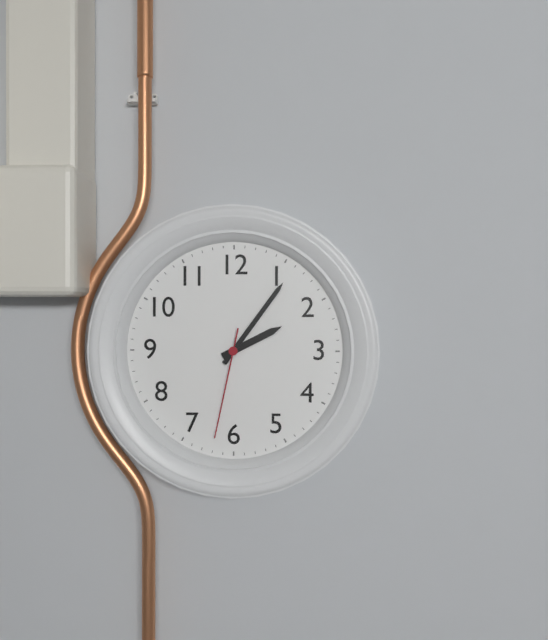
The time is h=2 m=6 s=32
